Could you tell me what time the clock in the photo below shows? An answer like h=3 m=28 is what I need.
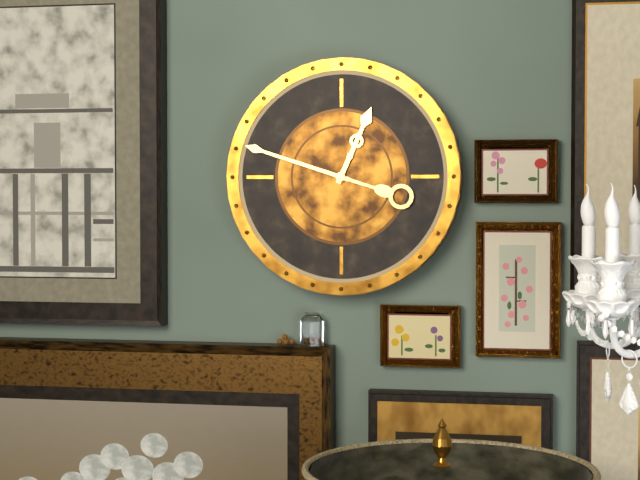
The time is h=12 m=48
